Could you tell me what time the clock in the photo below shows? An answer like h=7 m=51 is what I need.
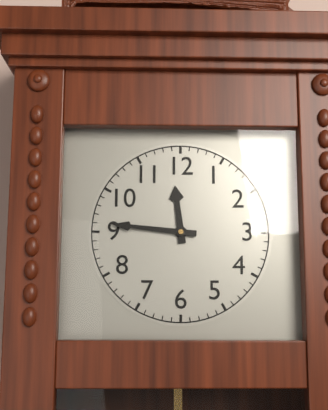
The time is h=11 m=46
